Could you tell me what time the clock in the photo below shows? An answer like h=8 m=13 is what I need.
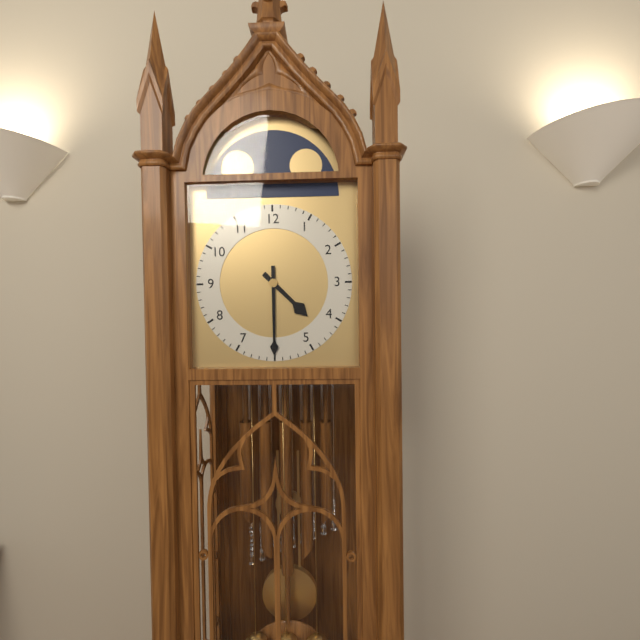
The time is h=4 m=30
